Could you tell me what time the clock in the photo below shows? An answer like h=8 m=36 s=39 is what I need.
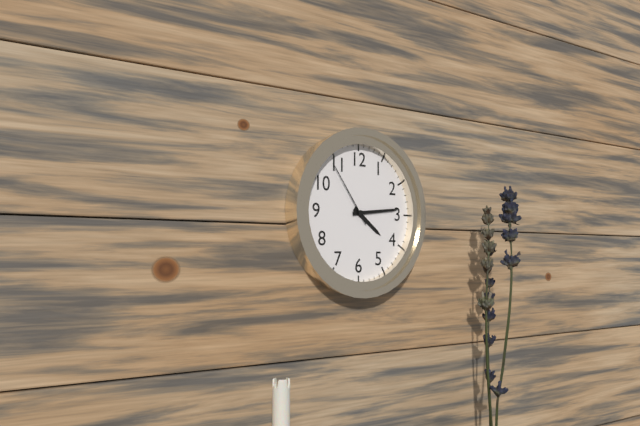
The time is h=4 m=14 s=54
